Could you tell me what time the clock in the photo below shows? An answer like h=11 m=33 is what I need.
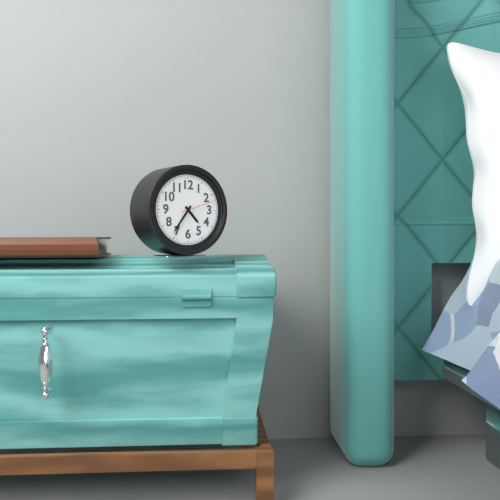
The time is h=4 m=36
